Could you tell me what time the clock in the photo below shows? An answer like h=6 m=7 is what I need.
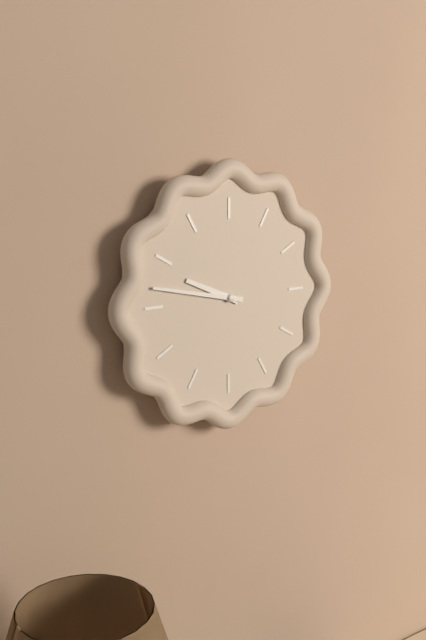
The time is h=9 m=47
